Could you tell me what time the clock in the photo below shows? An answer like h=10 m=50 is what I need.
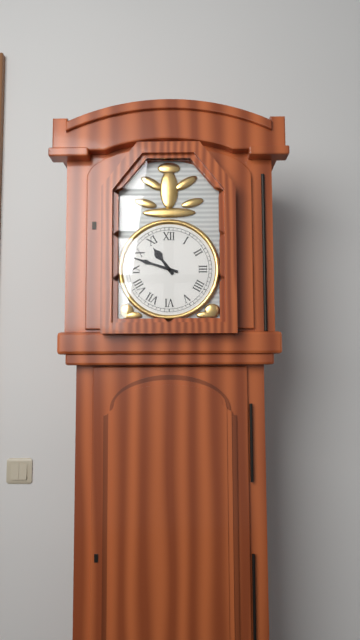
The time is h=10 m=48
